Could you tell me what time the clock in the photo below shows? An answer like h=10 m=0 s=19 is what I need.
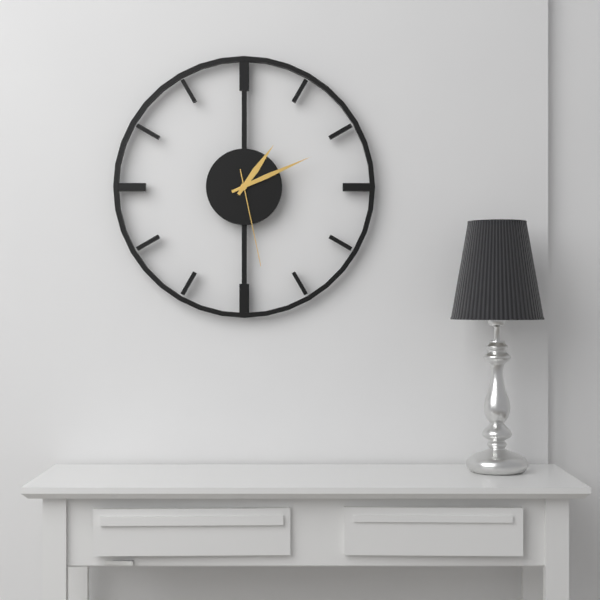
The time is h=1 m=11 s=28
